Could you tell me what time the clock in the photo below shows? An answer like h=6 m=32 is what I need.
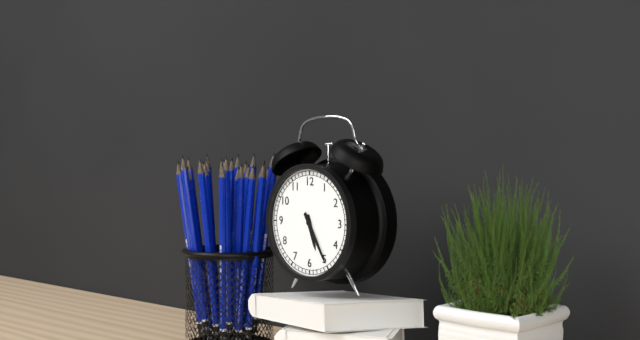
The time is h=5 m=25
